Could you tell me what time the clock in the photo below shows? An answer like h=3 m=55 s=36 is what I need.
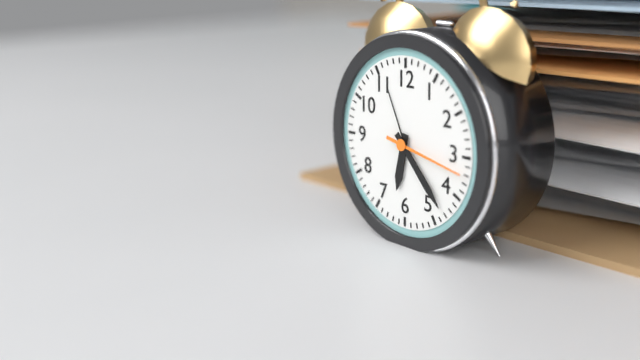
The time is h=6 m=23 s=17
